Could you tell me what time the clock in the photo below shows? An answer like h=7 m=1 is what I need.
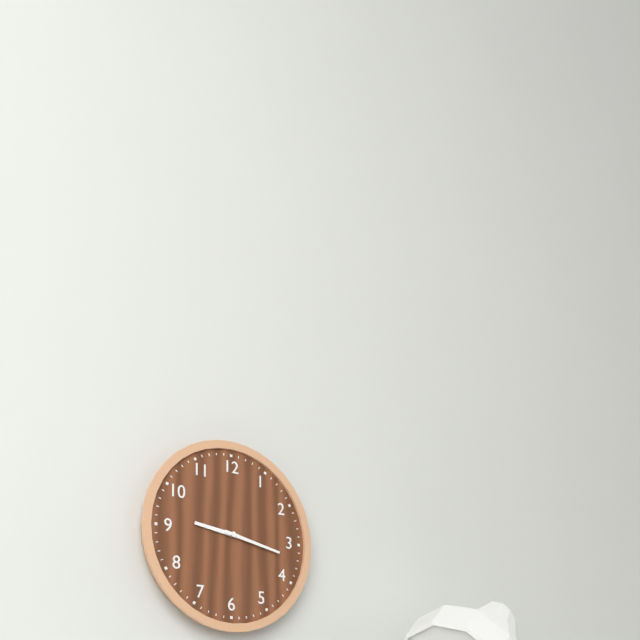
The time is h=9 m=17
